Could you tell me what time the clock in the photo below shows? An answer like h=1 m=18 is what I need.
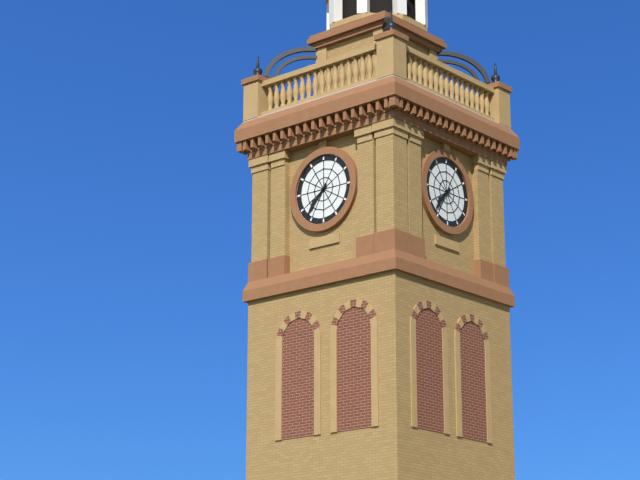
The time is h=7 m=37
